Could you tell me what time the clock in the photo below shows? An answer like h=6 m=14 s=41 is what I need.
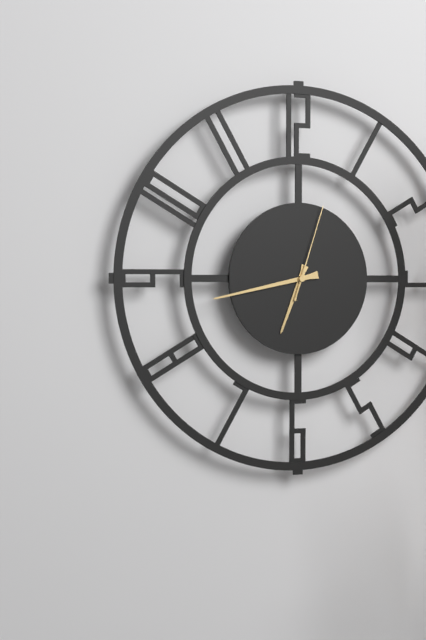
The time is h=6 m=43 s=3
